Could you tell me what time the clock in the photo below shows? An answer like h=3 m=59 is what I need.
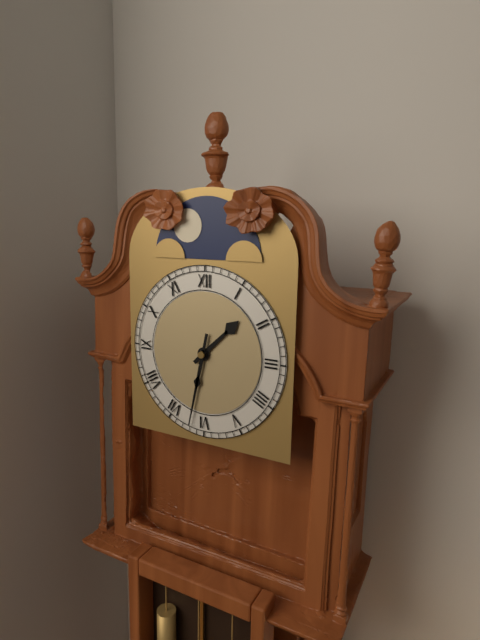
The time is h=1 m=32
